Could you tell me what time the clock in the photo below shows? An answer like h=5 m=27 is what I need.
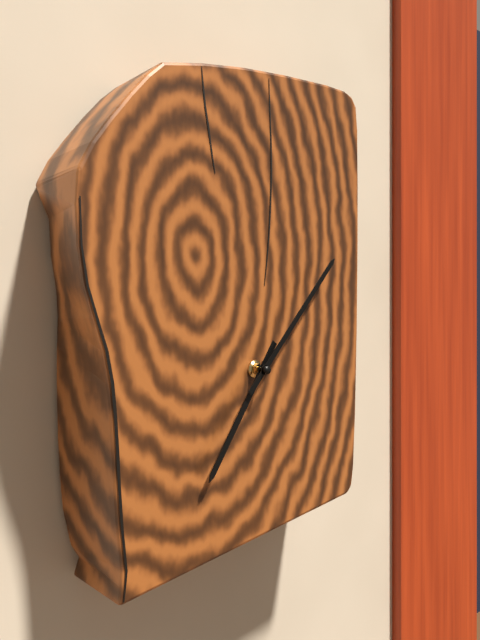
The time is h=7 m=7
